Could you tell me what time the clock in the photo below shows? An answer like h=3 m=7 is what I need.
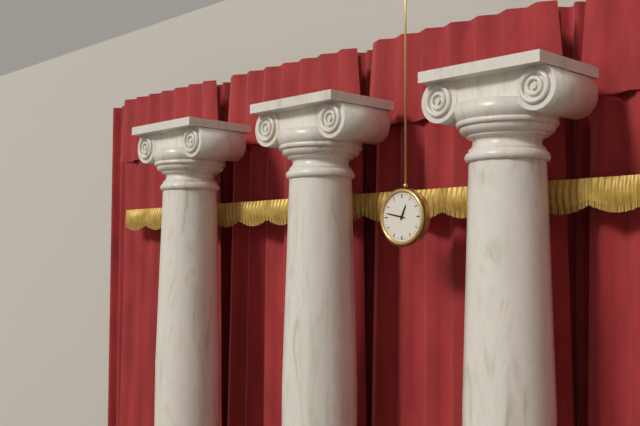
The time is h=12 m=47
